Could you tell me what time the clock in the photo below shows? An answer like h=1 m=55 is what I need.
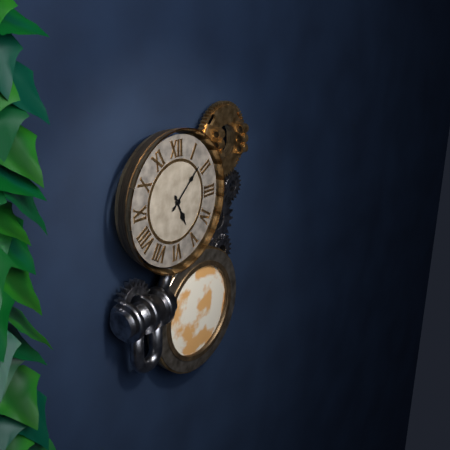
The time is h=5 m=8
